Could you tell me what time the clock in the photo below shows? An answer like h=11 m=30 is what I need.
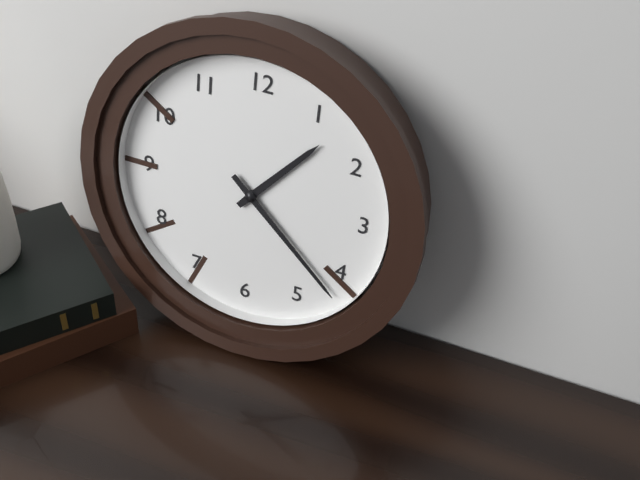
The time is h=1 m=22
